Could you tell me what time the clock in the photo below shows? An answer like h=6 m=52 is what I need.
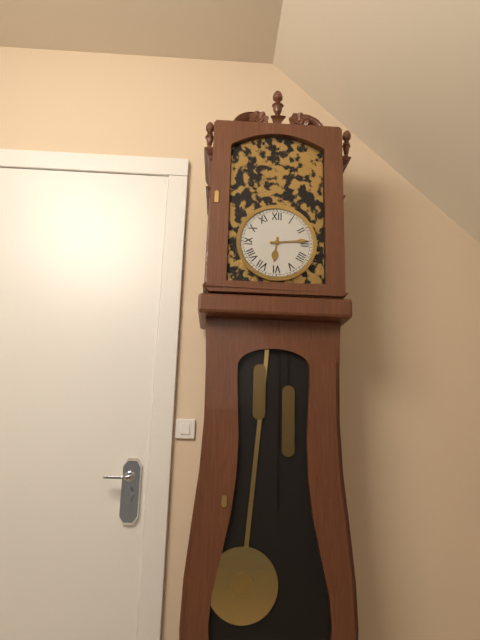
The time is h=6 m=14
